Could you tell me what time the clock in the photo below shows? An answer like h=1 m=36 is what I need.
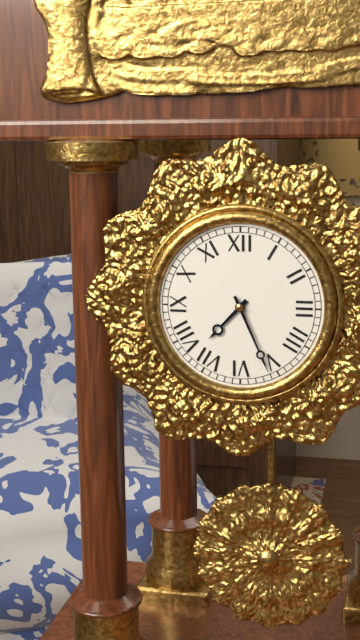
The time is h=7 m=26
